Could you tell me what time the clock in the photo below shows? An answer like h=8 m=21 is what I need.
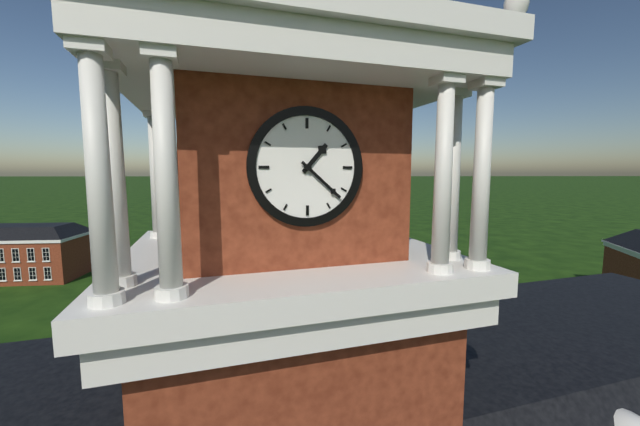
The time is h=1 m=22
